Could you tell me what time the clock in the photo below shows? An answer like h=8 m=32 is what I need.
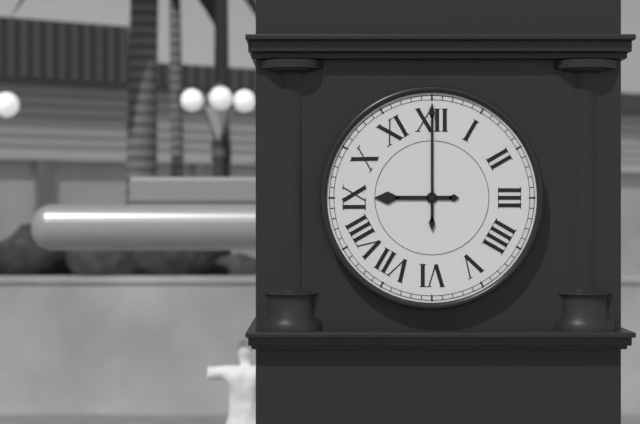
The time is h=9 m=0
